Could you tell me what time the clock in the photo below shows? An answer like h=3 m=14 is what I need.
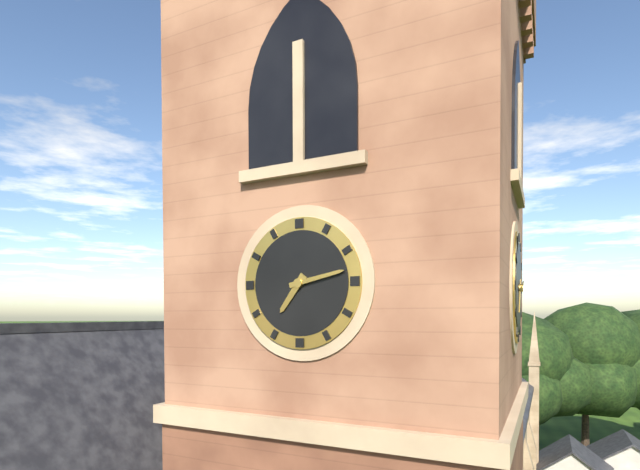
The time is h=7 m=13
